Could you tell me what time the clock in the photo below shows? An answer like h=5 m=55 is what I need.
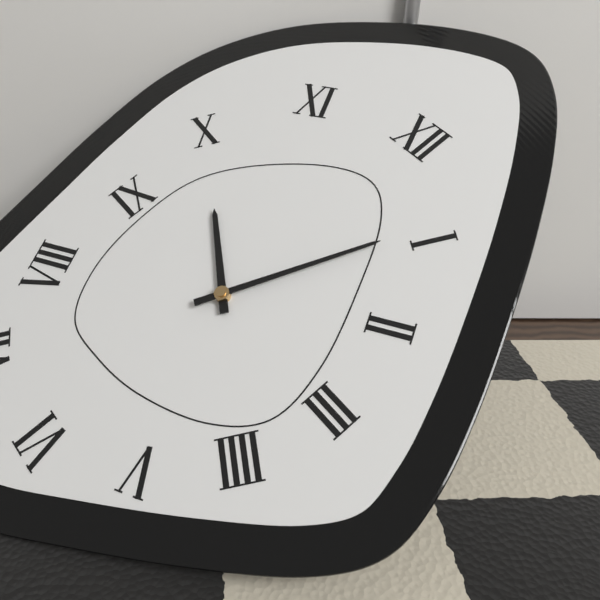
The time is h=10 m=4
